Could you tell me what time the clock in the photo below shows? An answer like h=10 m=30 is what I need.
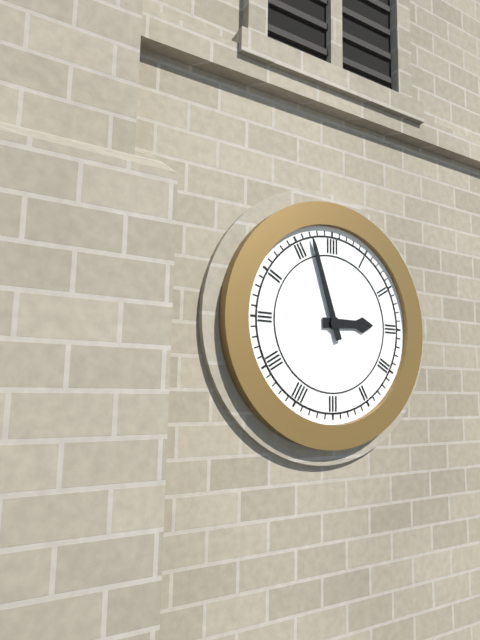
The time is h=2 m=57
